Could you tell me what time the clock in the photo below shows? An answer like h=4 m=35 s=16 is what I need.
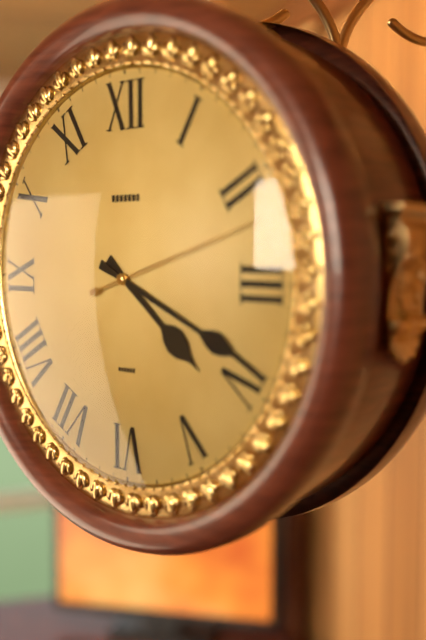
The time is h=4 m=19 s=12
